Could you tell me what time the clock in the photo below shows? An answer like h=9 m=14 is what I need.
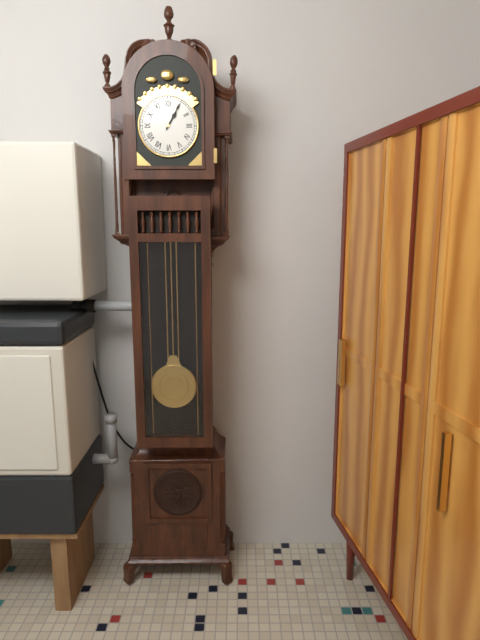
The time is h=1 m=5
